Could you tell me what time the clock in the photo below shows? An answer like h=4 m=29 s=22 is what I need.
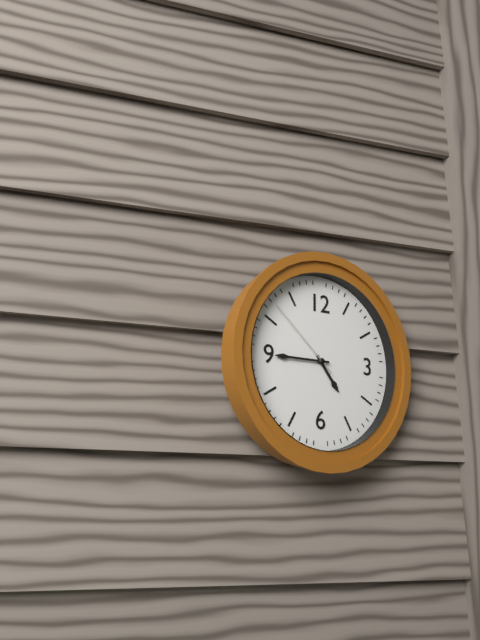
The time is h=4 m=45 s=52
